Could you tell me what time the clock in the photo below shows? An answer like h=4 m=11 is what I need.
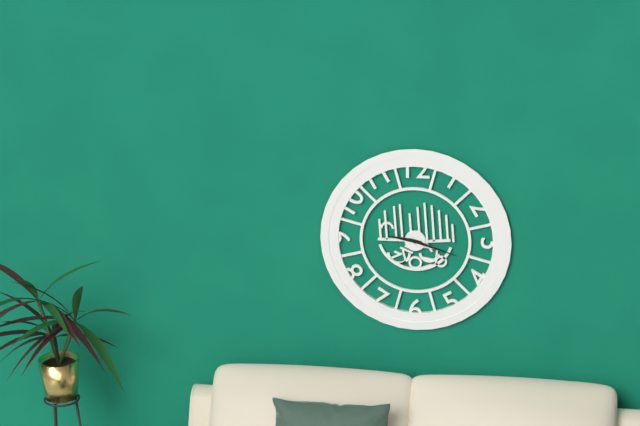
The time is h=9 m=18
